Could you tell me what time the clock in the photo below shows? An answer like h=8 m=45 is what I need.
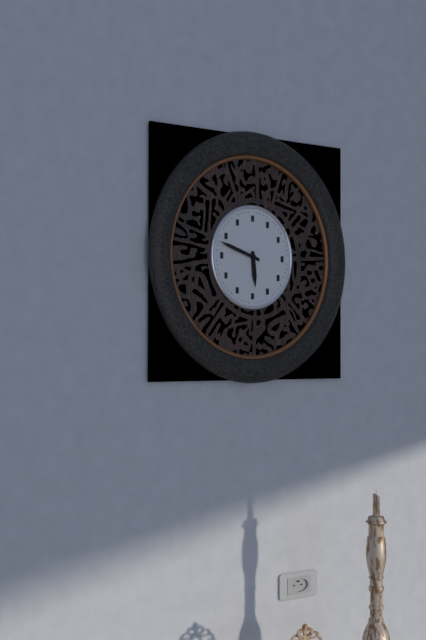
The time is h=5 m=48
